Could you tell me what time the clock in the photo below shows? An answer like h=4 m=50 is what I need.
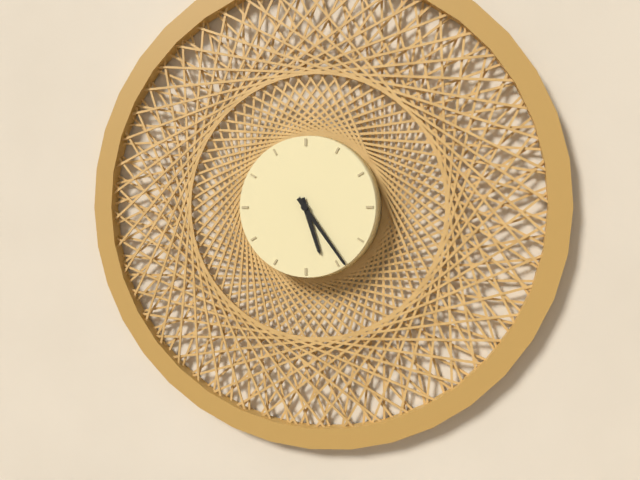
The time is h=5 m=24
